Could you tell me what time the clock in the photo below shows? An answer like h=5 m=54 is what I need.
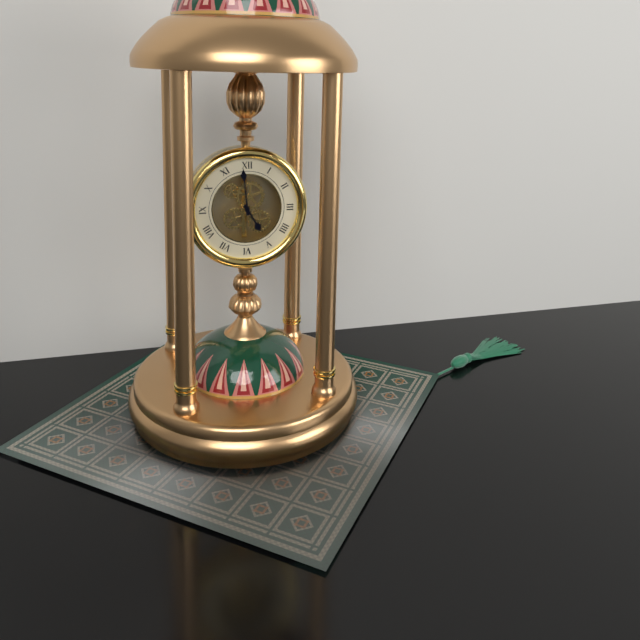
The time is h=4 m=59
